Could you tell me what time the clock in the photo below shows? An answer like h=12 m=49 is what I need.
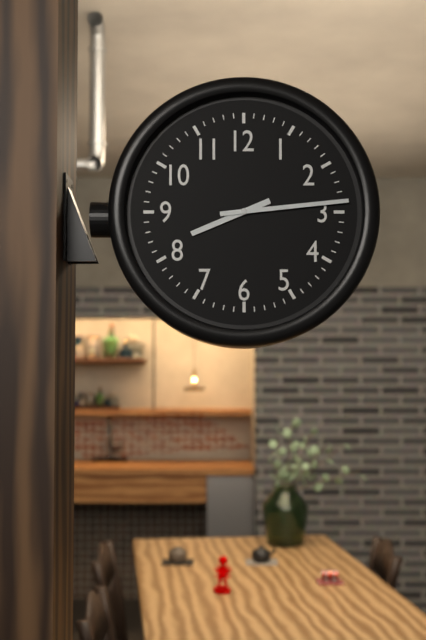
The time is h=8 m=14
